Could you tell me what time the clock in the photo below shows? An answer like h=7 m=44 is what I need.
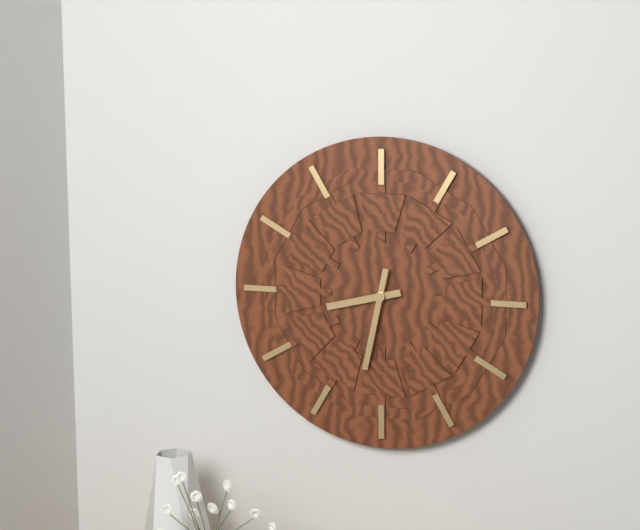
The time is h=8 m=32
